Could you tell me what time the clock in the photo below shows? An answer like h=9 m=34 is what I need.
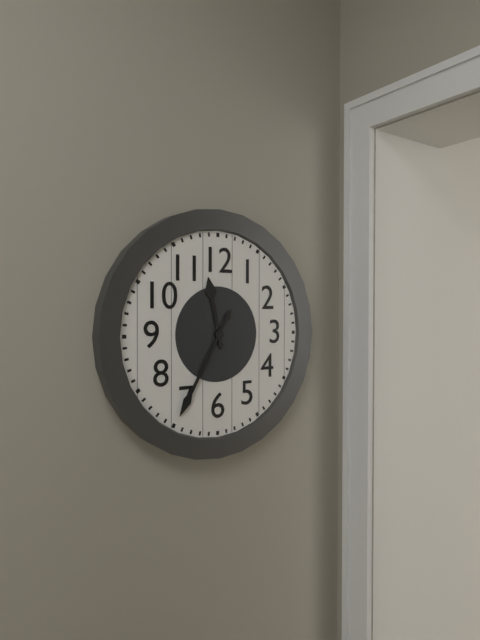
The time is h=11 m=35
